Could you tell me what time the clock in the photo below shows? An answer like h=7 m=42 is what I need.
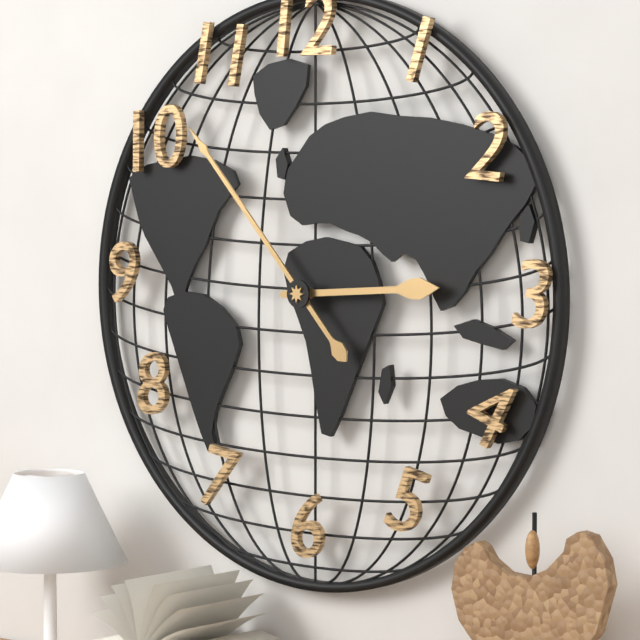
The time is h=2 m=53
